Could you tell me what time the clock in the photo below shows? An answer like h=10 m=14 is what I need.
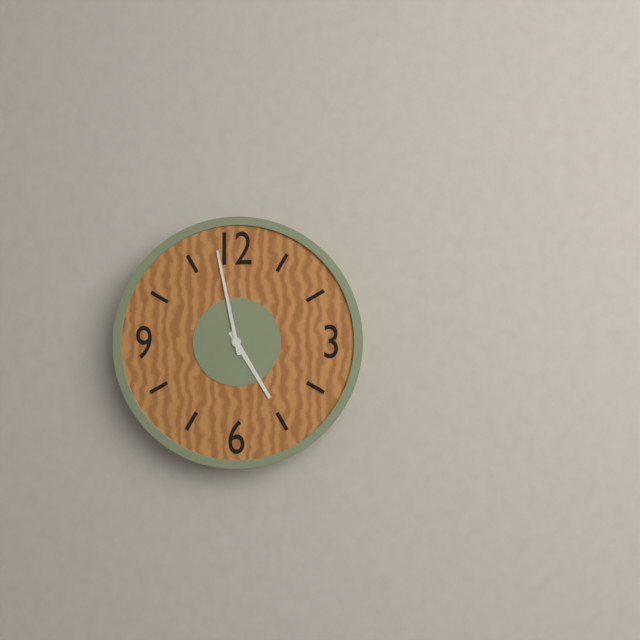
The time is h=4 m=58
